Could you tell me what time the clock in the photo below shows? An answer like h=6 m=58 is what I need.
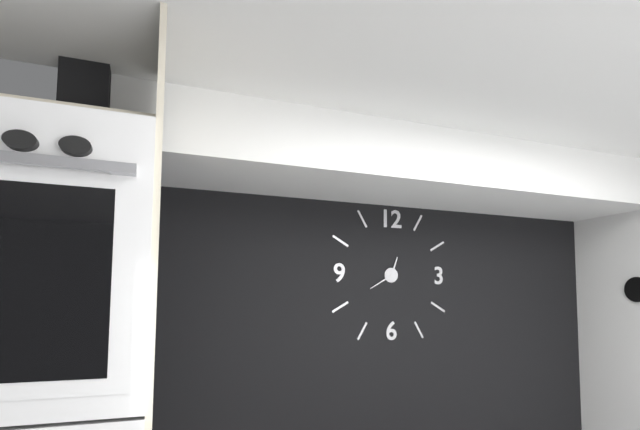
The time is h=12 m=40
